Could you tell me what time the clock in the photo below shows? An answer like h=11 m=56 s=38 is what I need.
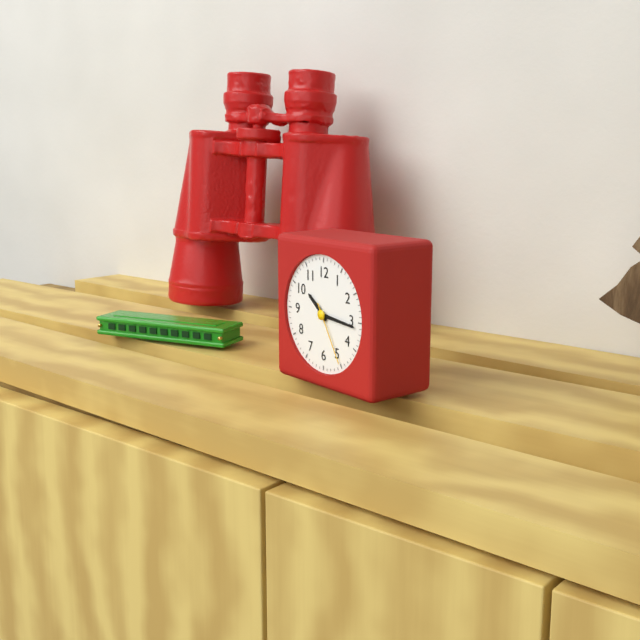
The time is h=10 m=16 s=25
